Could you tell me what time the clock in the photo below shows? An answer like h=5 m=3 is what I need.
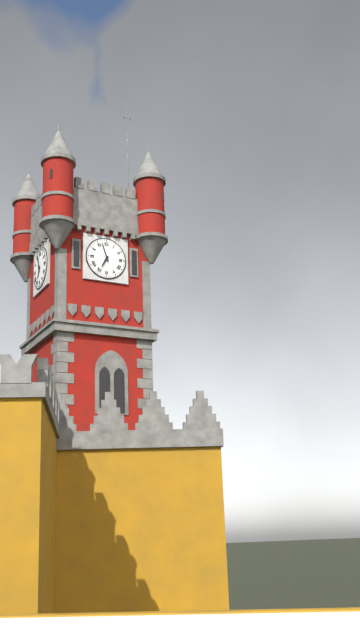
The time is h=6 m=57
